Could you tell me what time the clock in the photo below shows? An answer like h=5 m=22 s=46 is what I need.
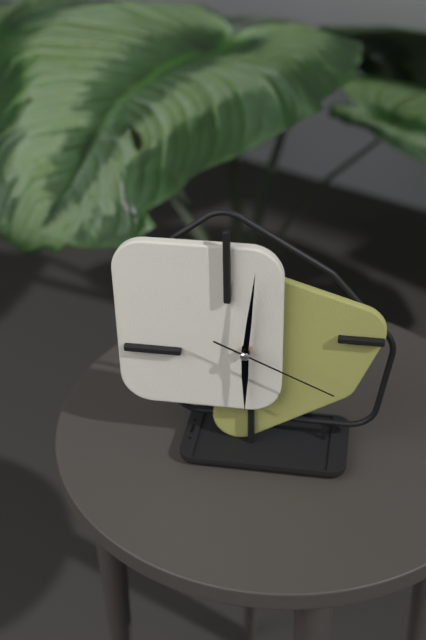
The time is h=6 m=1 s=19
